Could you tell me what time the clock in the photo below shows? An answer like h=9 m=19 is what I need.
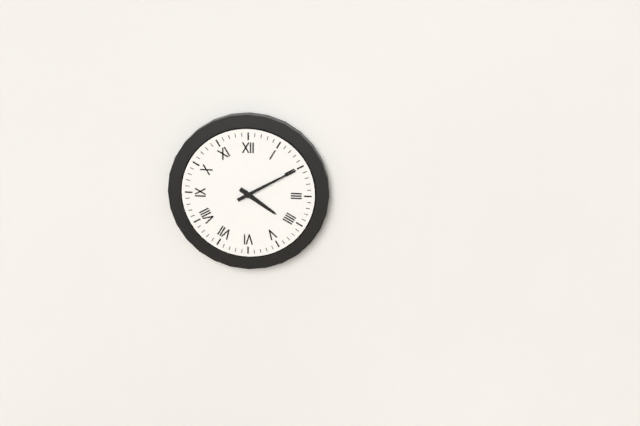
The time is h=4 m=10
